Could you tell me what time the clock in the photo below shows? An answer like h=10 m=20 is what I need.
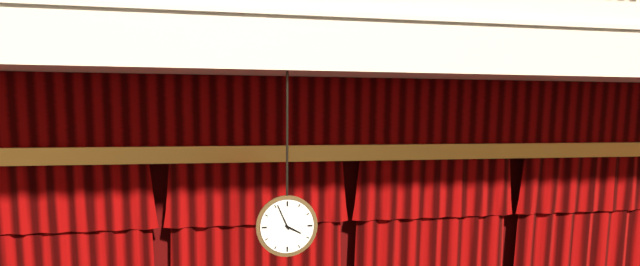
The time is h=3 m=56
